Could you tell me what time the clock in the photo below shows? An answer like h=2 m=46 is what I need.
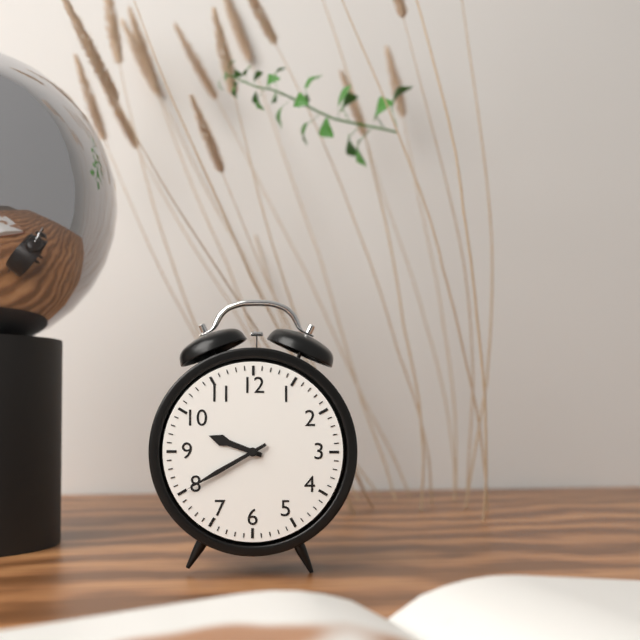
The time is h=9 m=40
